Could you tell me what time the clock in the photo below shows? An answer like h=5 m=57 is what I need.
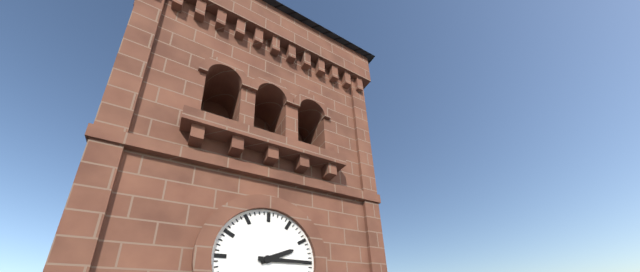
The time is h=2 m=15
